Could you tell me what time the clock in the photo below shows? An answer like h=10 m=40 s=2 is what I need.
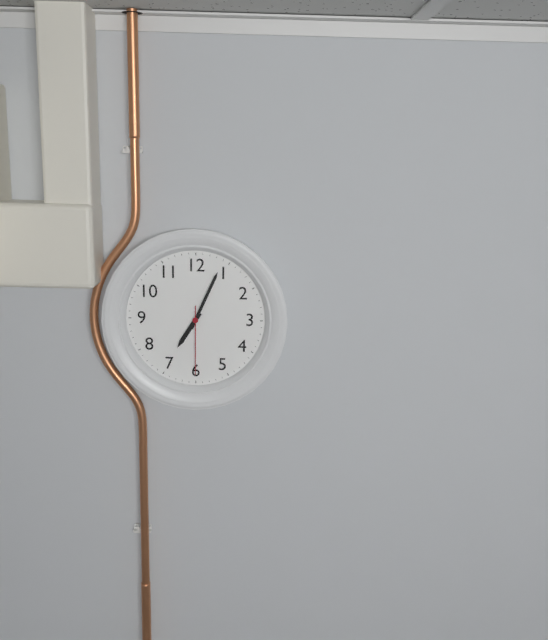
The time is h=7 m=4 s=30
